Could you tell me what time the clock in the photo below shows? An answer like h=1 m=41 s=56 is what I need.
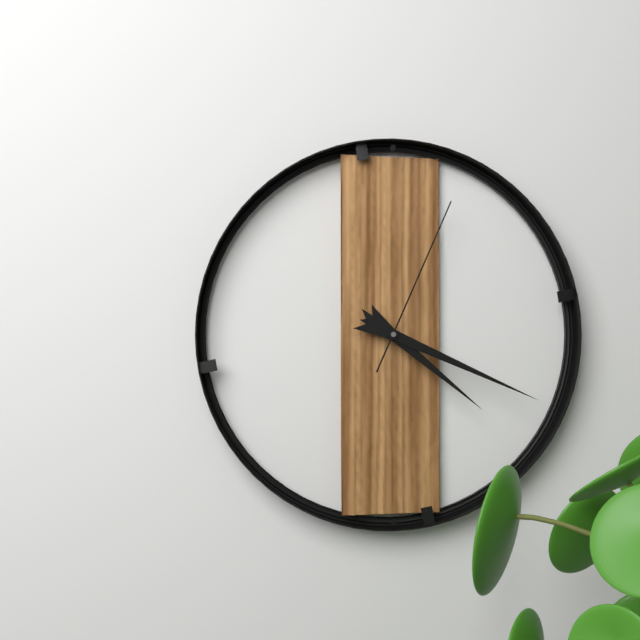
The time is h=4 m=19 s=4
